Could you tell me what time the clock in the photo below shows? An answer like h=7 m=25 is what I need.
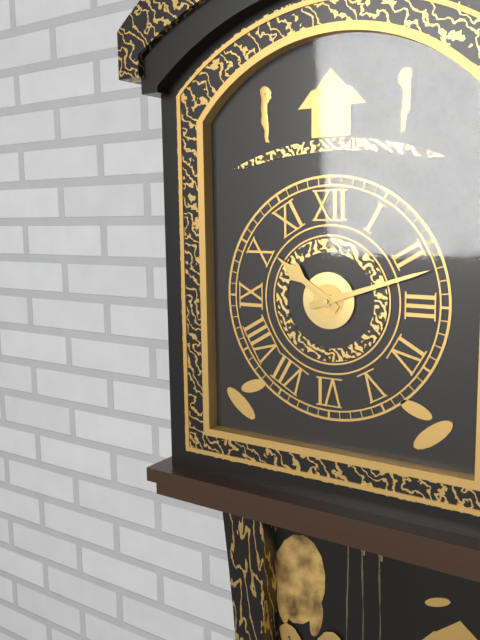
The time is h=10 m=12
